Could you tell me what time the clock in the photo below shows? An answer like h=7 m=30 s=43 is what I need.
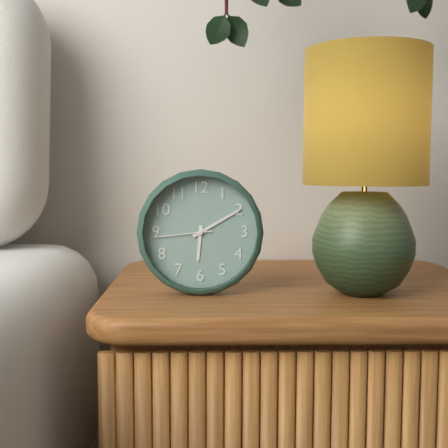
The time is h=6 m=10 s=44
